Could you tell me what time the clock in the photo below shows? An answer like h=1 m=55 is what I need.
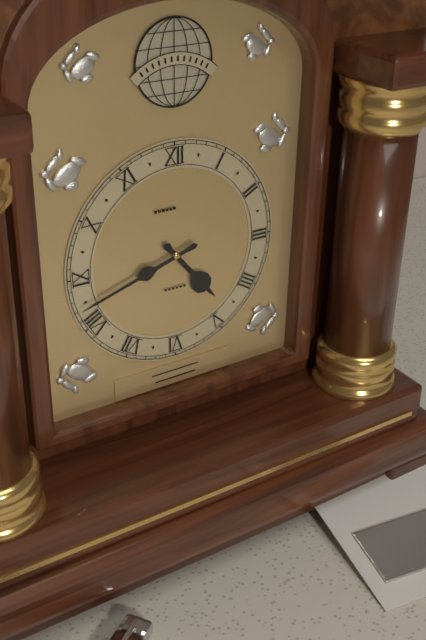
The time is h=4 m=42
